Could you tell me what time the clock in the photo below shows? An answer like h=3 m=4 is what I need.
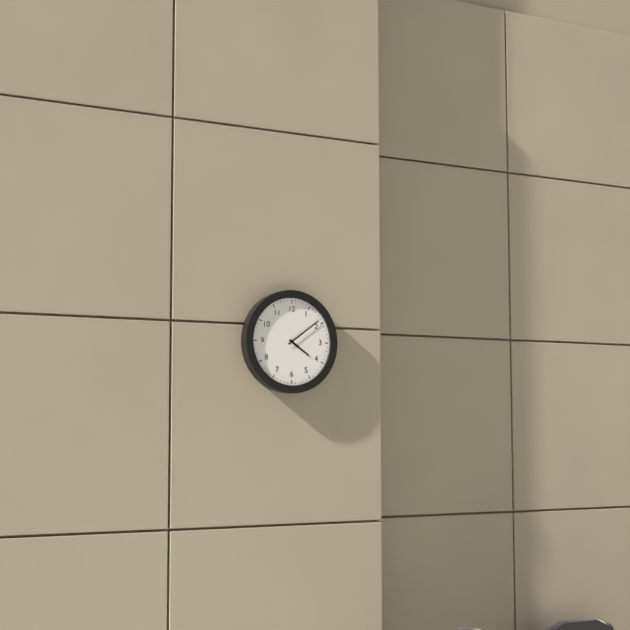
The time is h=4 m=9
